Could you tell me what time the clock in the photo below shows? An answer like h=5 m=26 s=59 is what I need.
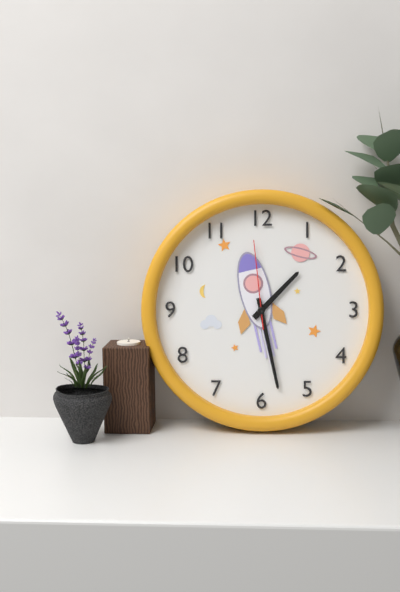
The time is h=1 m=28 s=59
